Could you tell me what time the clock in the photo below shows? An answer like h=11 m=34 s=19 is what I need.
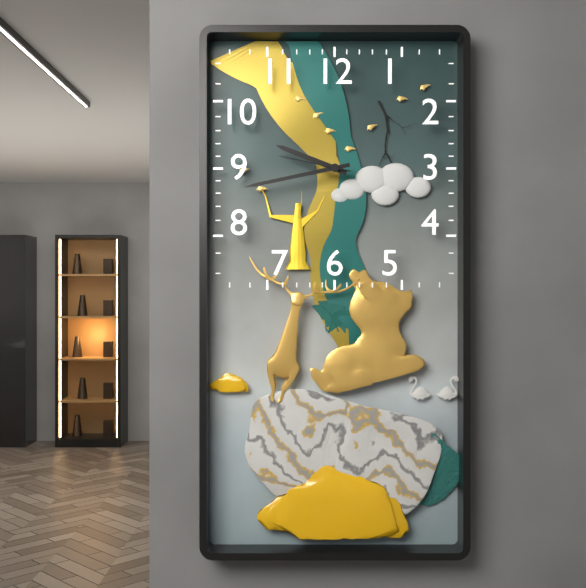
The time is h=9 m=43 s=47
